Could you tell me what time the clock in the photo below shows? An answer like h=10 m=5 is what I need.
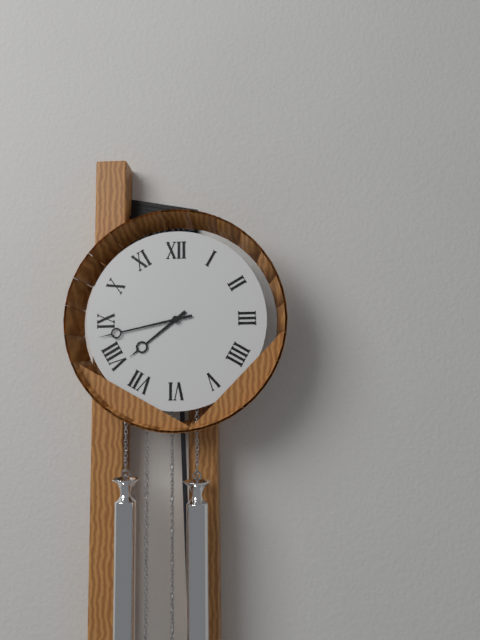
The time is h=7 m=43
